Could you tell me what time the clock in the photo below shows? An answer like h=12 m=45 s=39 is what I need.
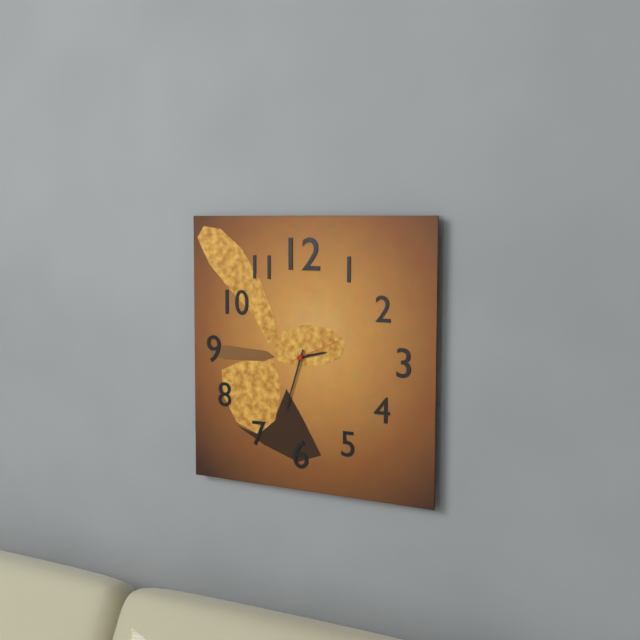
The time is h=2 m=33 s=11
